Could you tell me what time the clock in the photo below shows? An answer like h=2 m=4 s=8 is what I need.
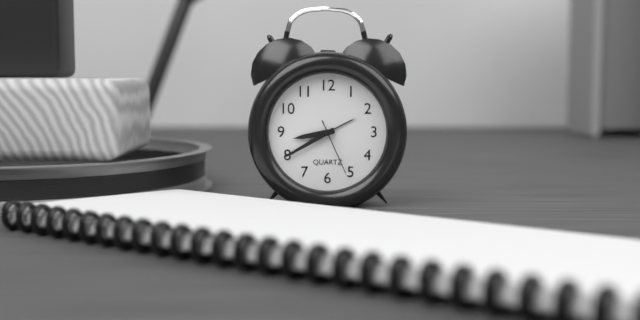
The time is h=8 m=40 s=26
